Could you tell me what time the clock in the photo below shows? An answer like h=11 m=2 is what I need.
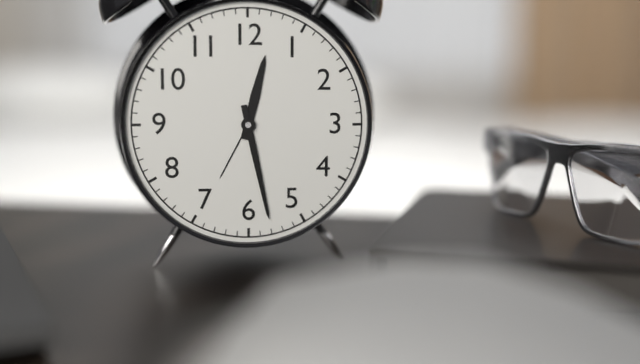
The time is h=12 m=28
